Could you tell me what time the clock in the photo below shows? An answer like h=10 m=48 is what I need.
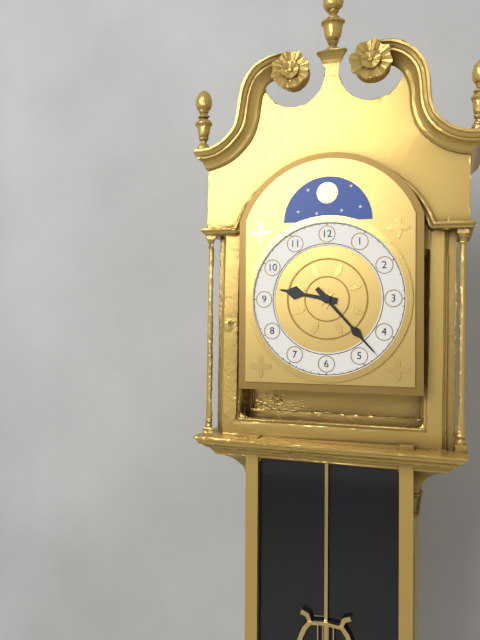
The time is h=9 m=23
